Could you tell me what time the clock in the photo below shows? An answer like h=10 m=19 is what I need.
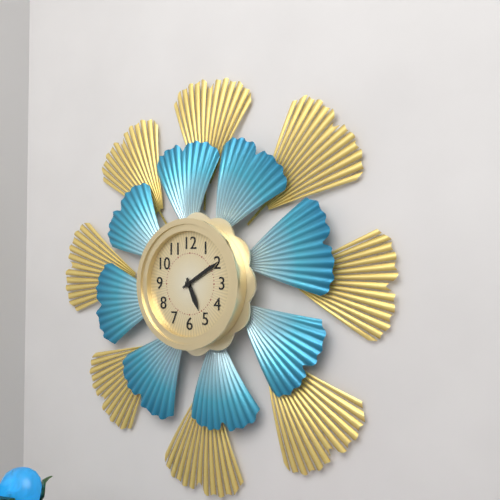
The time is h=5 m=10
